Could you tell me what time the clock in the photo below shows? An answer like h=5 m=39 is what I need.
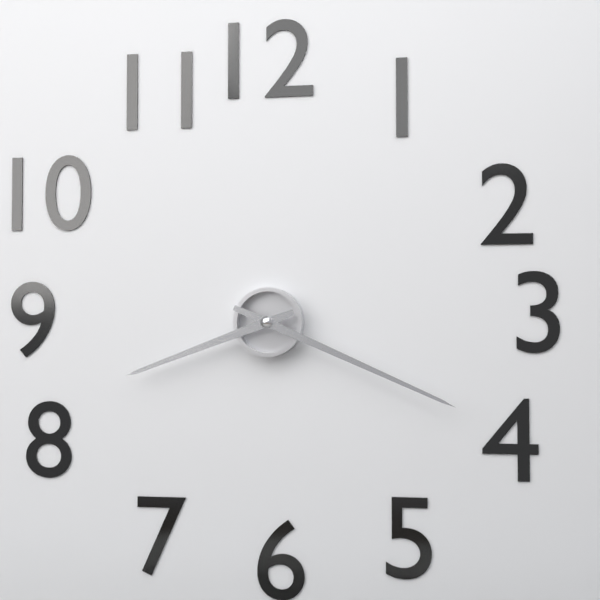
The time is h=8 m=19
